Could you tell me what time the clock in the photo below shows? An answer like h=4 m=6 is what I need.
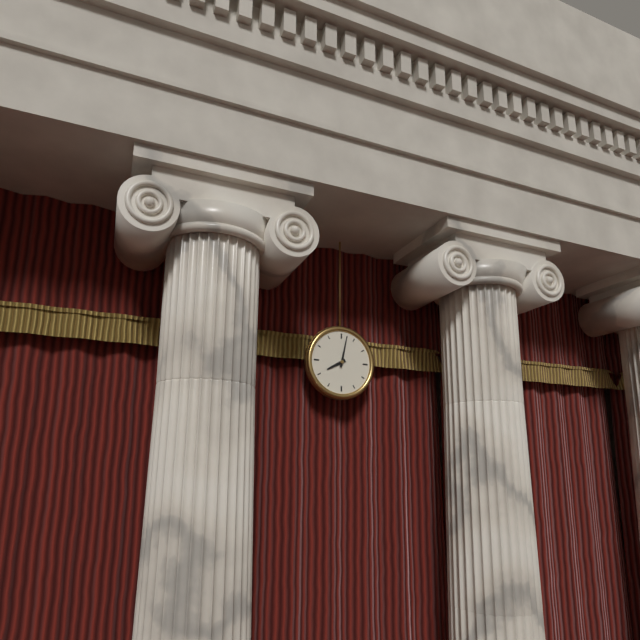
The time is h=8 m=2
